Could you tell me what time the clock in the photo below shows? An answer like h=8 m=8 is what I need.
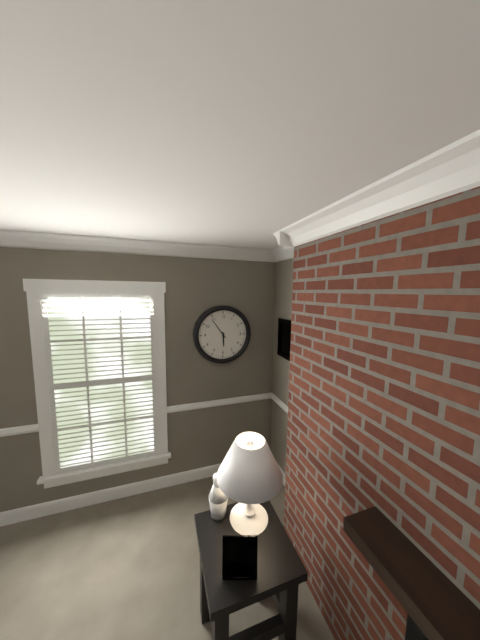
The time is h=5 m=54
